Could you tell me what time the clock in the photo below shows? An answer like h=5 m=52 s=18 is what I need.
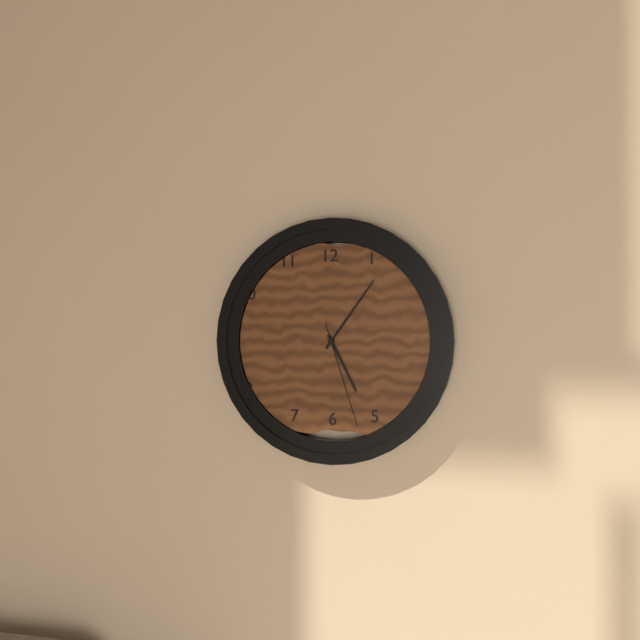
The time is h=5 m=6 s=27
